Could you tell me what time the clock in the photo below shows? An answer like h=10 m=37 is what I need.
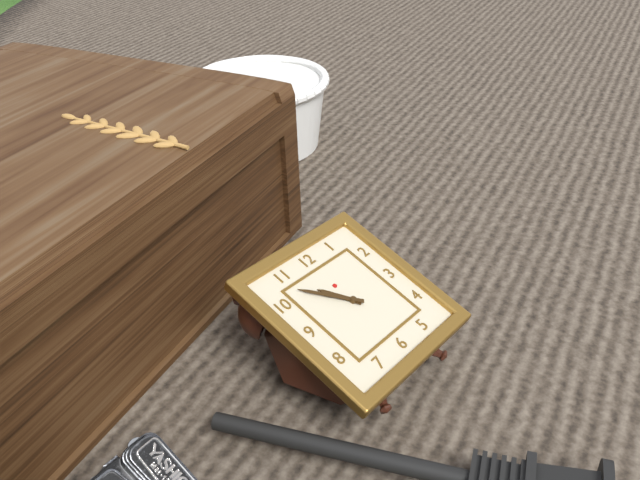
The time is h=10 m=53
